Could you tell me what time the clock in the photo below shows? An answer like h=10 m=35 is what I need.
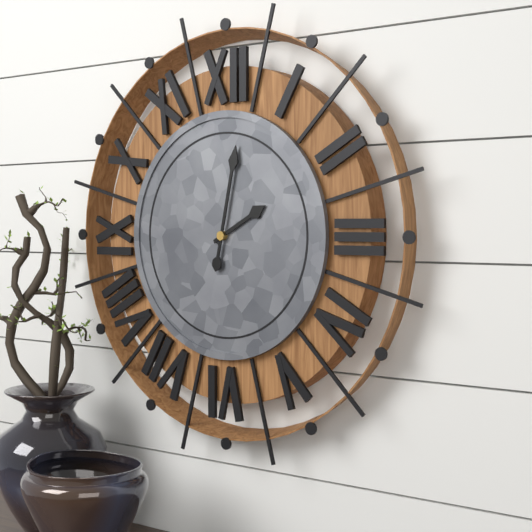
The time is h=2 m=2
